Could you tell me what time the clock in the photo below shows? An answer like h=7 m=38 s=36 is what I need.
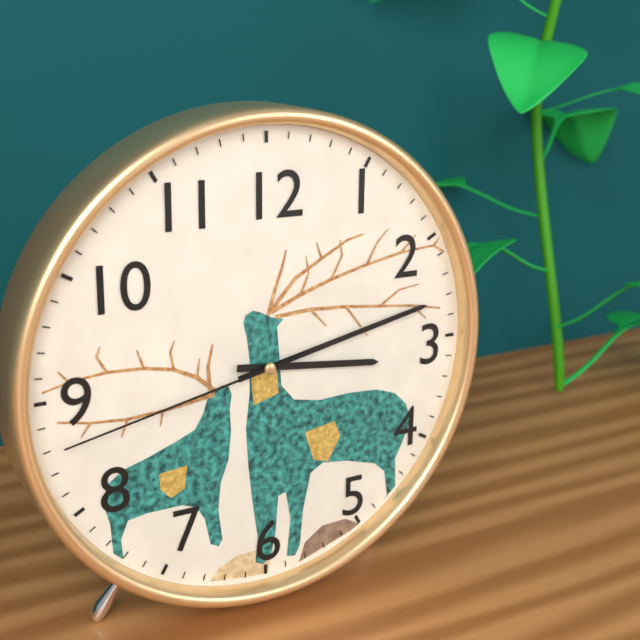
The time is h=3 m=13 s=43
